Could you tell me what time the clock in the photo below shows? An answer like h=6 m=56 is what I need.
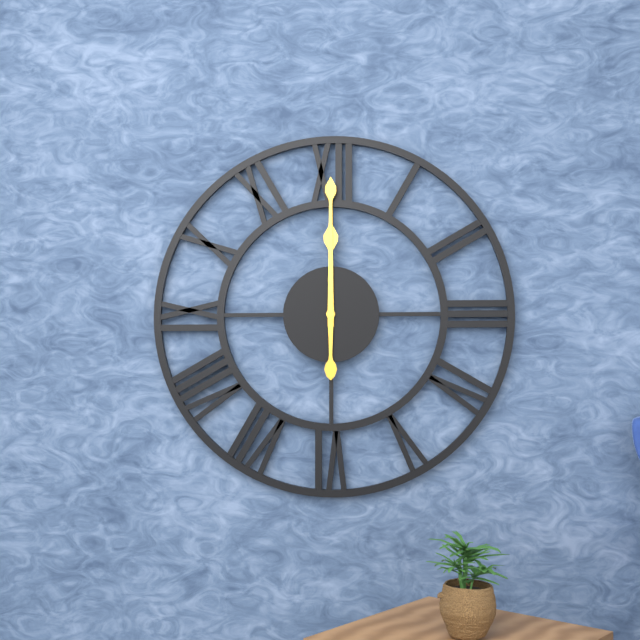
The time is h=12 m=0
